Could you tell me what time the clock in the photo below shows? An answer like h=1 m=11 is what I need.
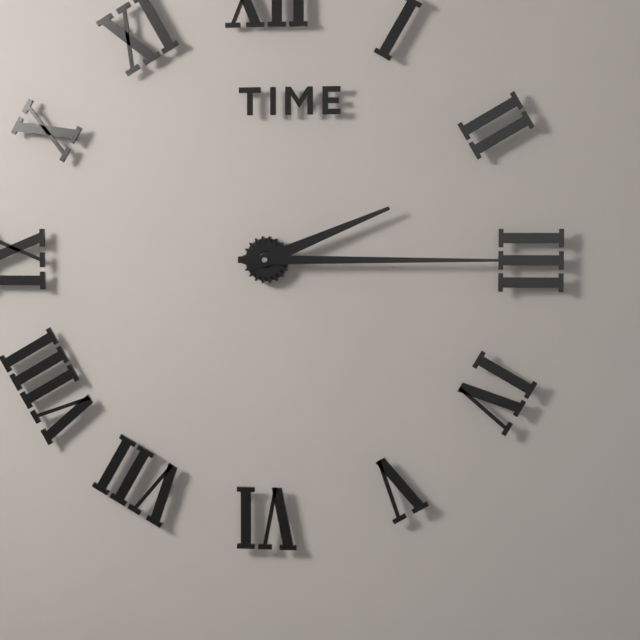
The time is h=2 m=15
